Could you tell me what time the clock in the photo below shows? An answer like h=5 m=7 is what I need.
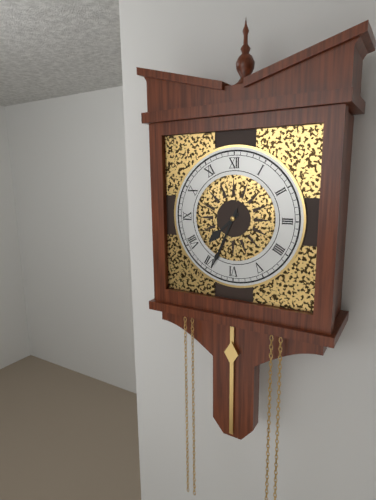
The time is h=7 m=34
